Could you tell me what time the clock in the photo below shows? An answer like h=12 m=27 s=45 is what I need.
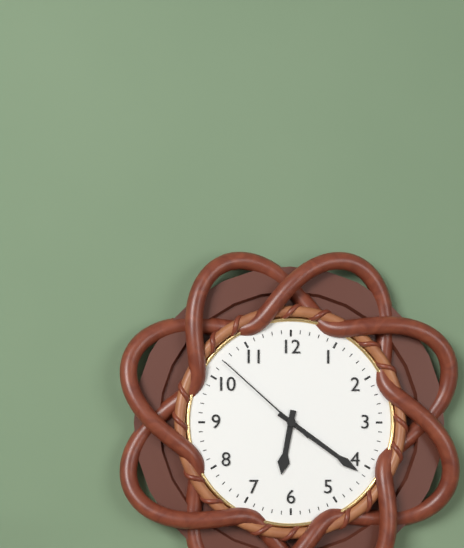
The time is h=6 m=21 s=52
